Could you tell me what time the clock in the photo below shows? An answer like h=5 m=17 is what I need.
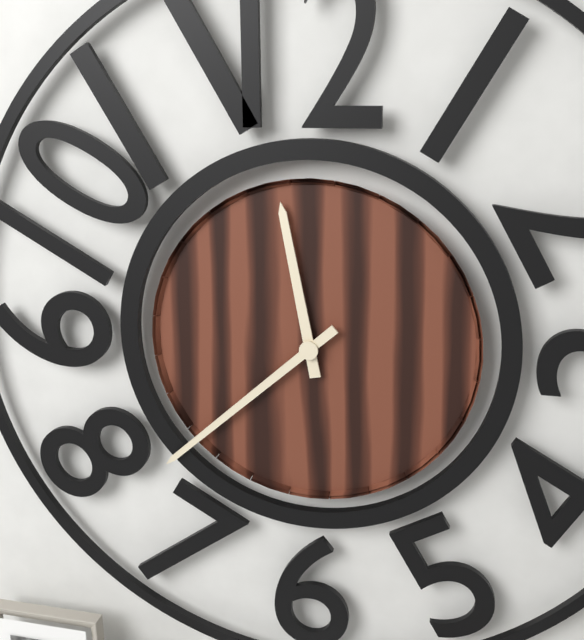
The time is h=11 m=38
